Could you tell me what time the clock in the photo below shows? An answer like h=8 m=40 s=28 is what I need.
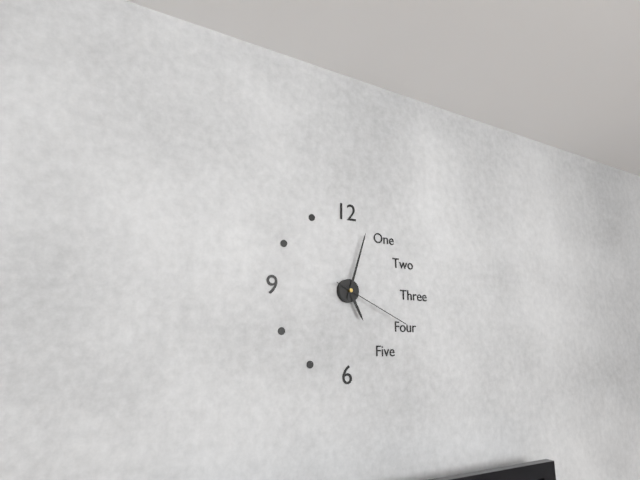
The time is h=5 m=3 s=19
